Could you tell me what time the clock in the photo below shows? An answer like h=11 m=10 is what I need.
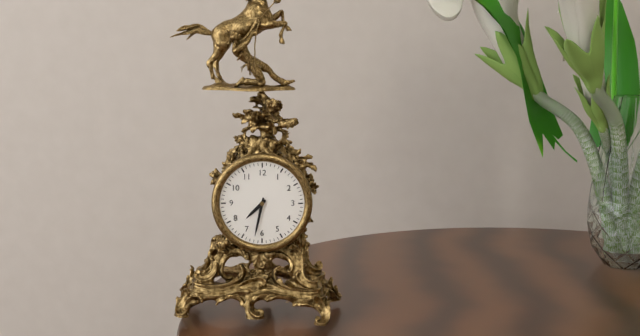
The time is h=7 m=32
